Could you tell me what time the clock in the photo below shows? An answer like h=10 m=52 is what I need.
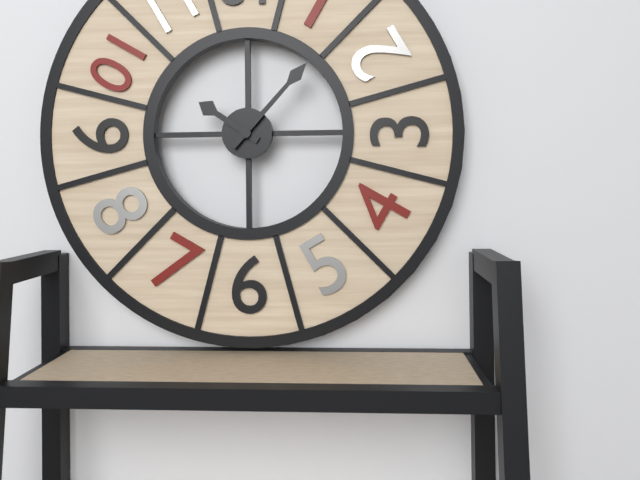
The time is h=10 m=7
